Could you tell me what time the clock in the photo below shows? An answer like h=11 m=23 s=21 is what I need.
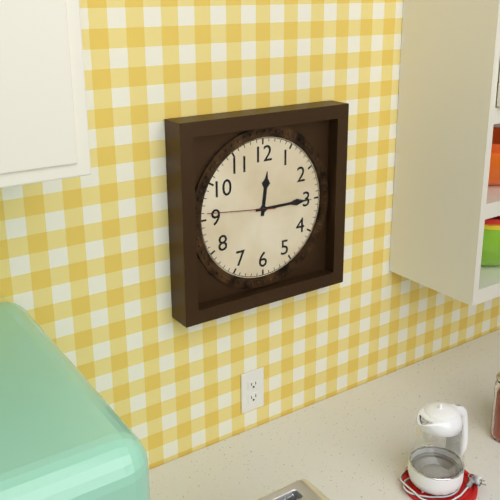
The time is h=12 m=15 s=46
